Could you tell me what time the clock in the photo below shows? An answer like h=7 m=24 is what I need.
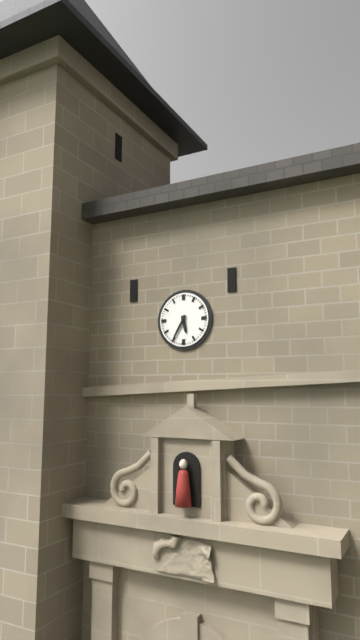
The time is h=5 m=35
